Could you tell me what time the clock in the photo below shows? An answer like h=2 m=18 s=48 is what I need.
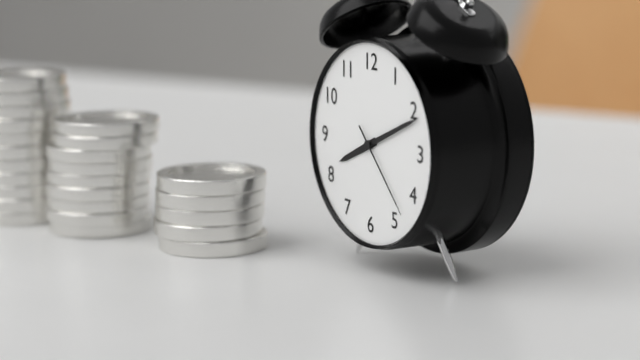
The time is h=8 m=11 s=23
